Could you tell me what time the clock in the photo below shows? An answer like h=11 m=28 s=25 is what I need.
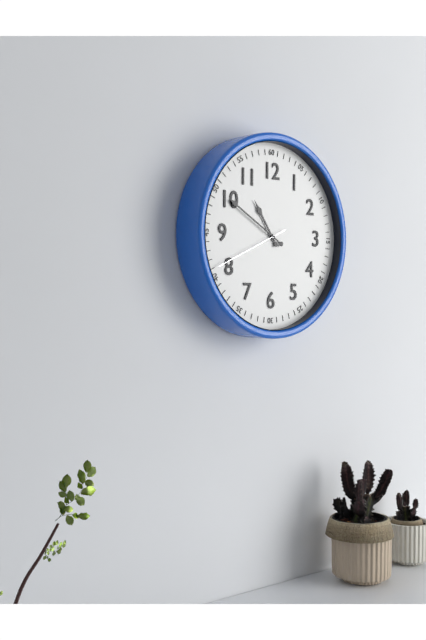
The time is h=10 m=50 s=41
